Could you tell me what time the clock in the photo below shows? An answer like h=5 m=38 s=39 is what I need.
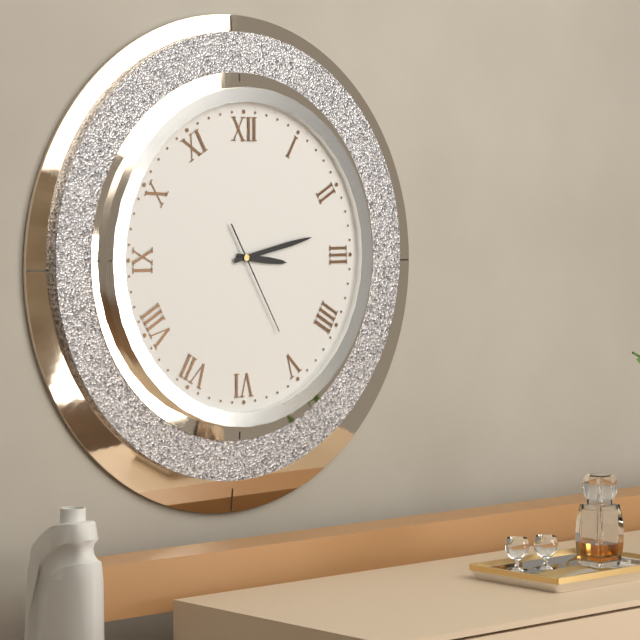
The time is h=3 m=13 s=25
